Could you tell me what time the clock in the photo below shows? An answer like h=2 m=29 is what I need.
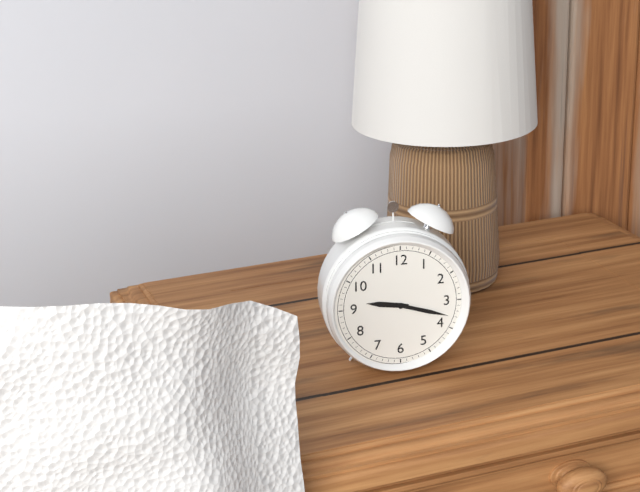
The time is h=9 m=18
